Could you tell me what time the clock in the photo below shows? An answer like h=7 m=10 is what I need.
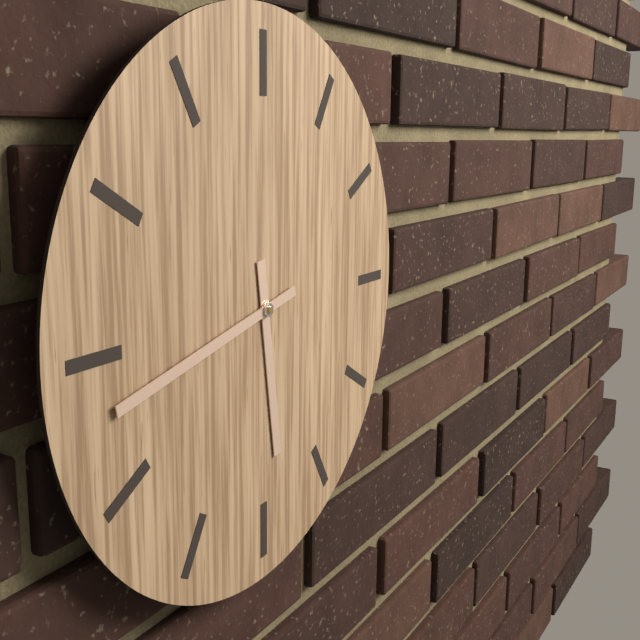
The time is h=5 m=43
